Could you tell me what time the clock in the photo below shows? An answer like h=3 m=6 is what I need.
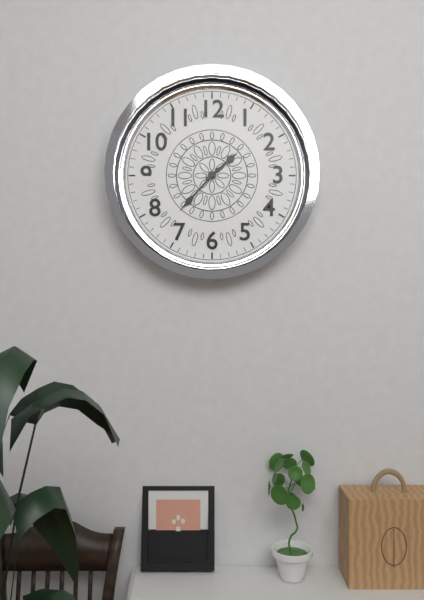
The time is h=1 m=37
